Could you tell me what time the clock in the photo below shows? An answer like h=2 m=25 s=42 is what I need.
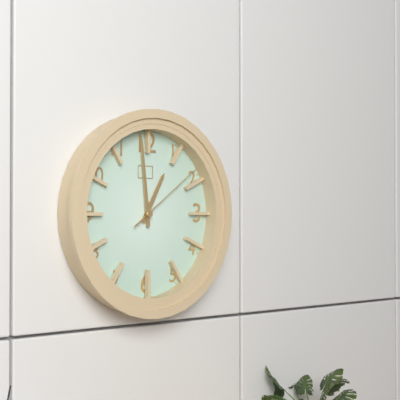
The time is h=12 m=59 s=9
